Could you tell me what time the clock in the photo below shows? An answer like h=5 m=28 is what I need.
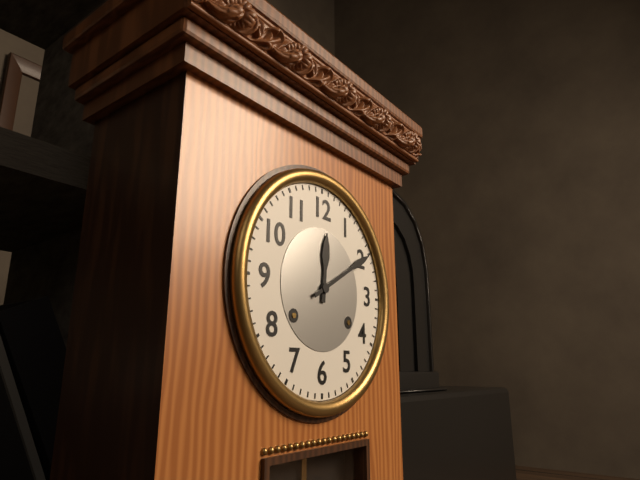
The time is h=12 m=10
